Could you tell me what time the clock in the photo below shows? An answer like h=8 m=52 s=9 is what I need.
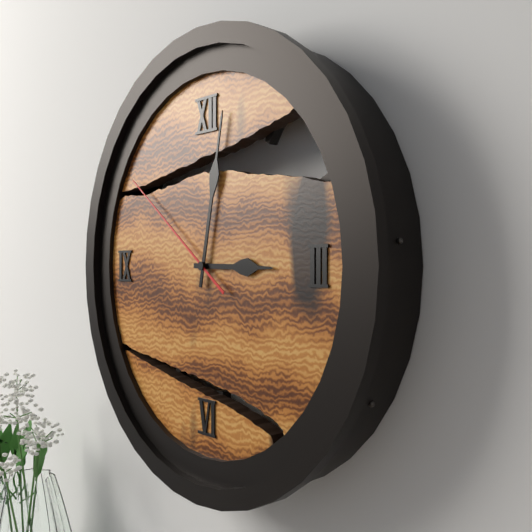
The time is h=3 m=2 s=51
